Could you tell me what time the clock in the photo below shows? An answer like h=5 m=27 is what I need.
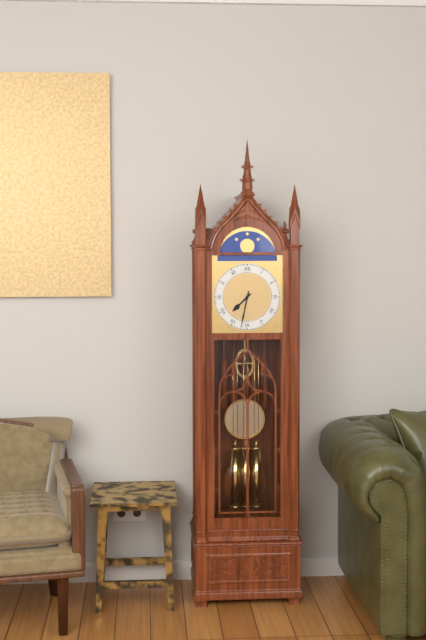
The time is h=7 m=32
